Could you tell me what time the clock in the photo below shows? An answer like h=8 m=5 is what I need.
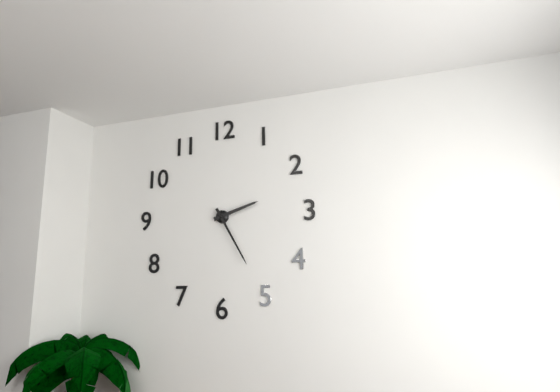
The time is h=2 m=25
